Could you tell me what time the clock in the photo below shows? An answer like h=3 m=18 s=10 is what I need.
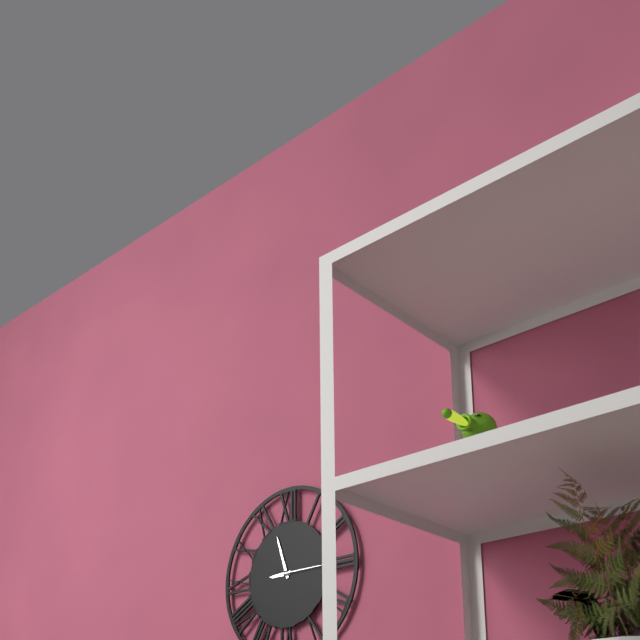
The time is h=8 m=57 s=15
